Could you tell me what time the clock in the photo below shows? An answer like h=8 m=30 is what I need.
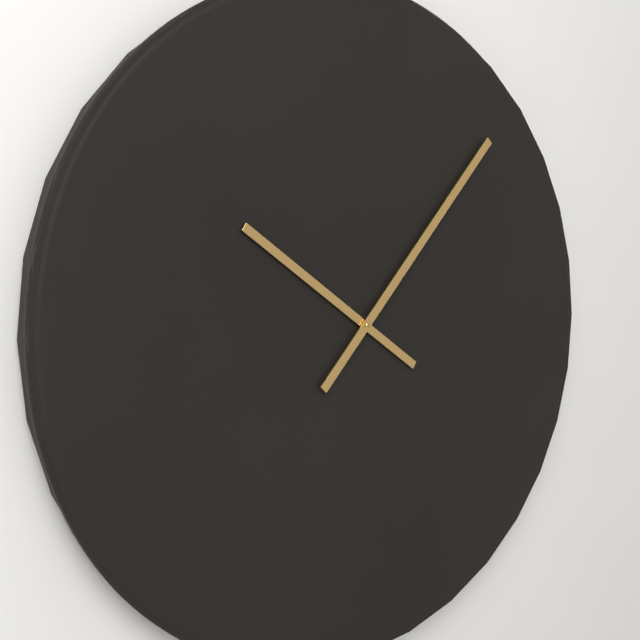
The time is h=10 m=7
